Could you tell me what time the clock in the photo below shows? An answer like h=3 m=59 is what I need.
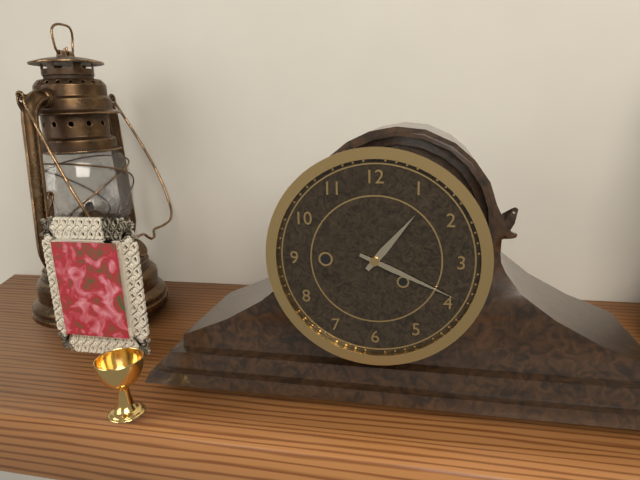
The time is h=1 m=19
